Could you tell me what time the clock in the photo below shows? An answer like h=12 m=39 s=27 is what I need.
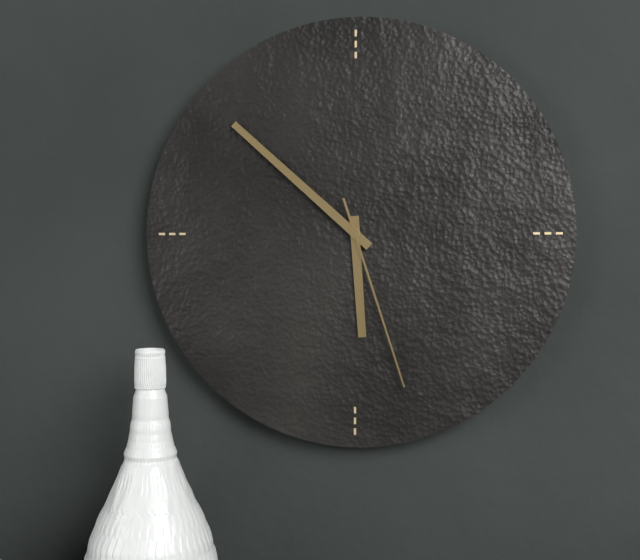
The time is h=5 m=52 s=27
